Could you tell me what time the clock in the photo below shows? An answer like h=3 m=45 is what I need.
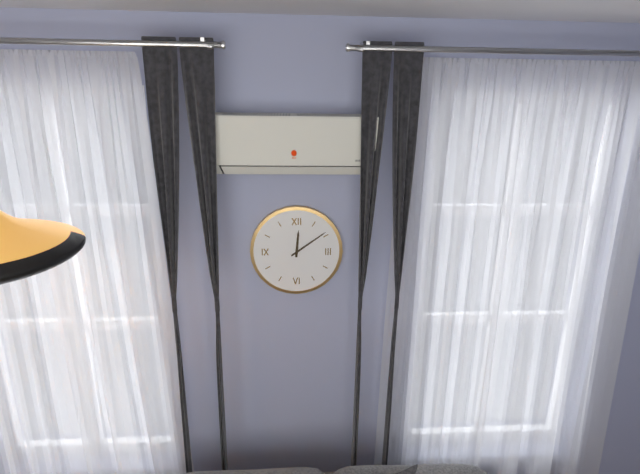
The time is h=12 m=9
